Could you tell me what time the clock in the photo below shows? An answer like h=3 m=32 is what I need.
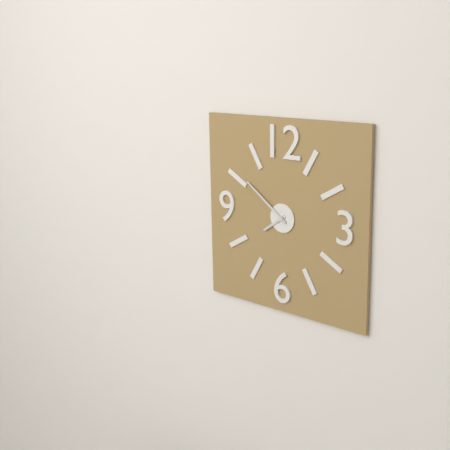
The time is h=7 m=51
